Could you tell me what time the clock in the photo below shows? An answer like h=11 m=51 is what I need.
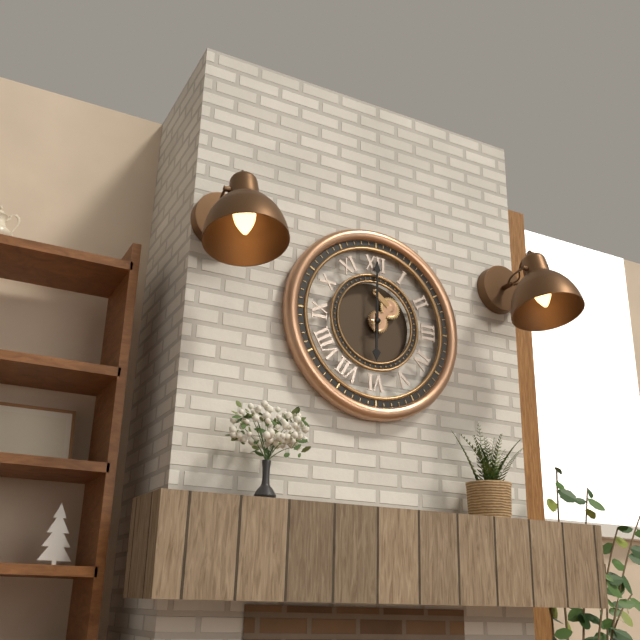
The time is h=6 m=0
